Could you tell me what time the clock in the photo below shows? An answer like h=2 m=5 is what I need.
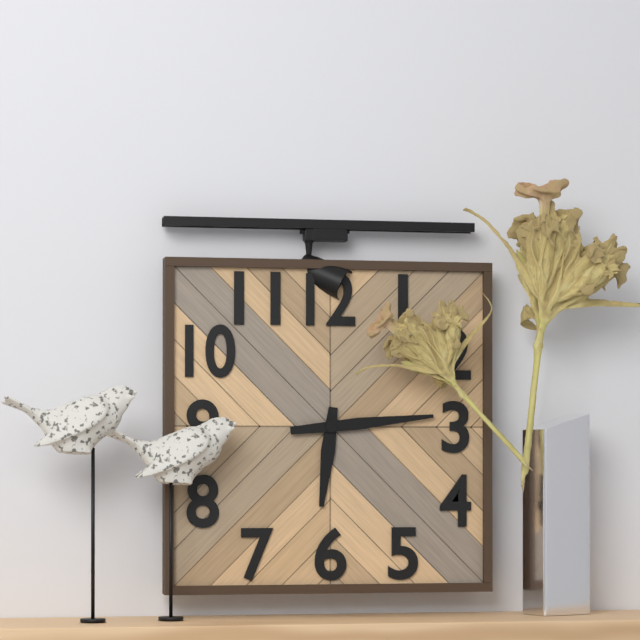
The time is h=6 m=14
